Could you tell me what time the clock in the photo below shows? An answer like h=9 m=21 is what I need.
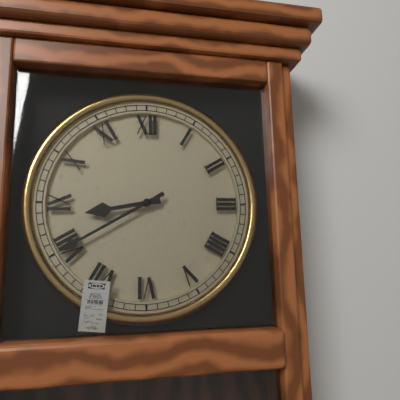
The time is h=8 m=40
